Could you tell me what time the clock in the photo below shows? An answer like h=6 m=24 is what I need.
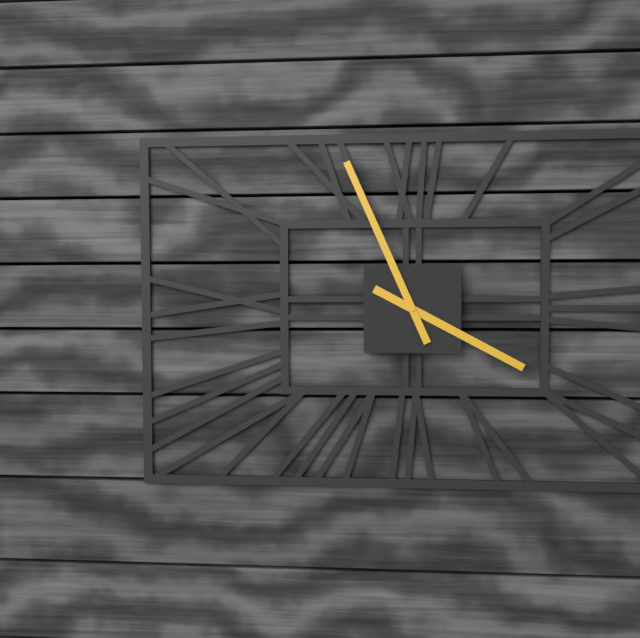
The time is h=3 m=56
